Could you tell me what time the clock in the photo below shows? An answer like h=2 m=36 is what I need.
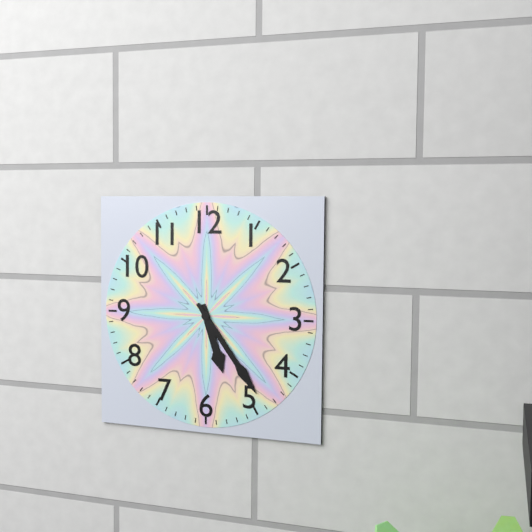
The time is h=5 m=24
